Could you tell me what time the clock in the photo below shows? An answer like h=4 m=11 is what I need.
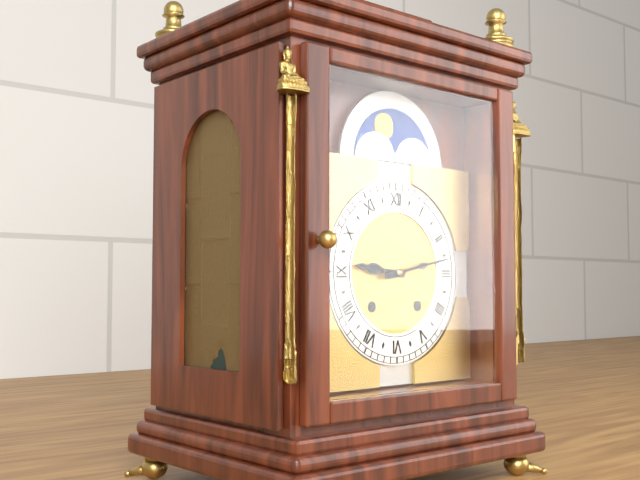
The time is h=9 m=13
